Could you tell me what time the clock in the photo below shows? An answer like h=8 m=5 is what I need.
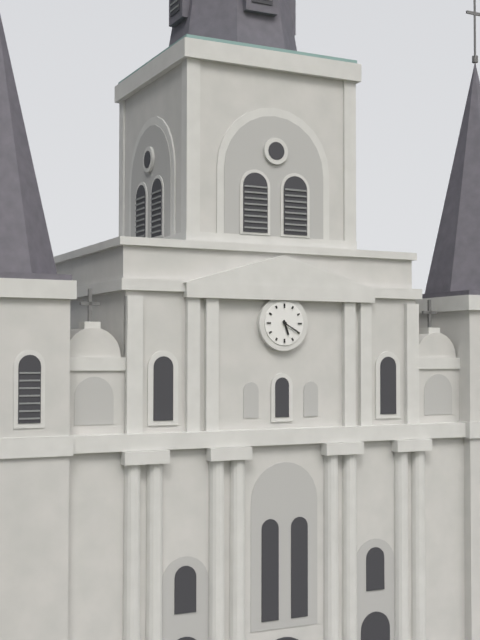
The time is h=5 m=20
